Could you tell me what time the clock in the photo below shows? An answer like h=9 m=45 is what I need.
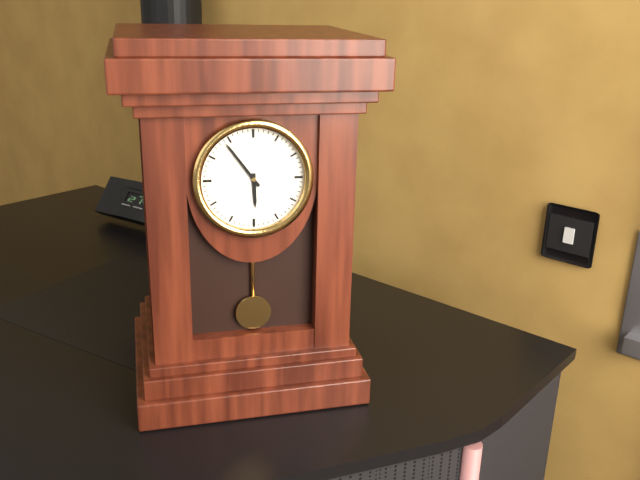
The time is h=5 m=54
